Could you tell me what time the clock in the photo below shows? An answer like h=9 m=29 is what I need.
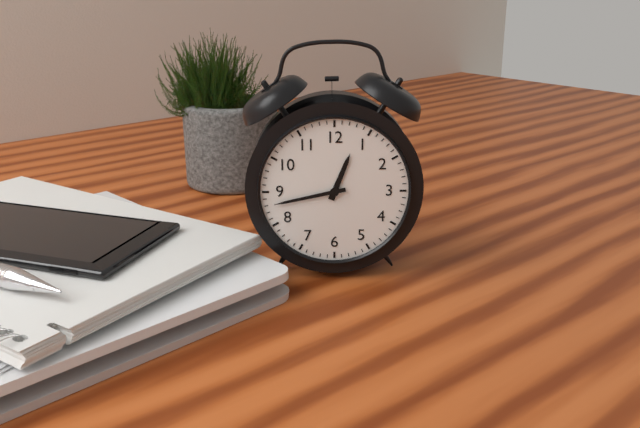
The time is h=12 m=43
